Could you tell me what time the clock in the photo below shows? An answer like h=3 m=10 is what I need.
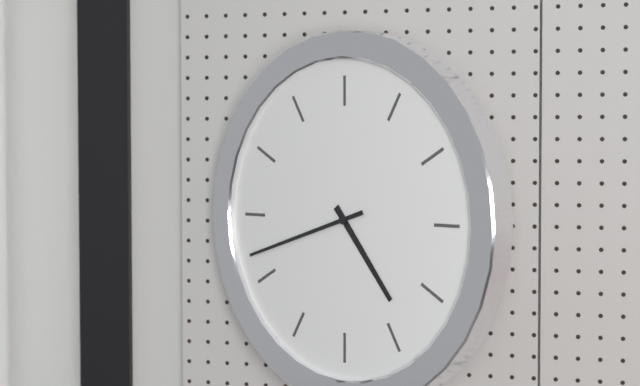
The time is h=4 m=42
